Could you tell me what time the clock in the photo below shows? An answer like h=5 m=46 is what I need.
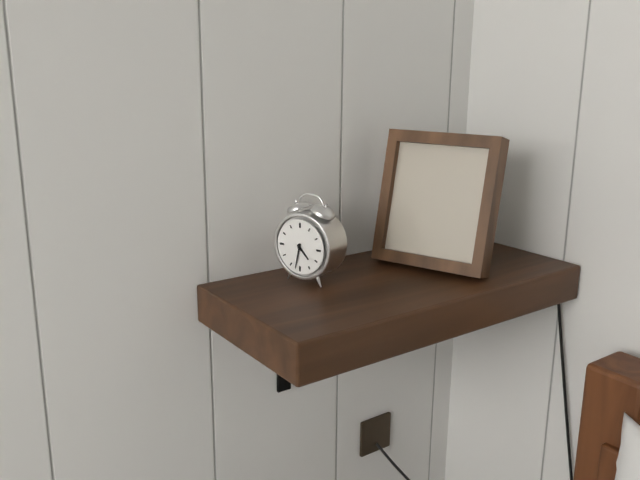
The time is h=4 m=32
